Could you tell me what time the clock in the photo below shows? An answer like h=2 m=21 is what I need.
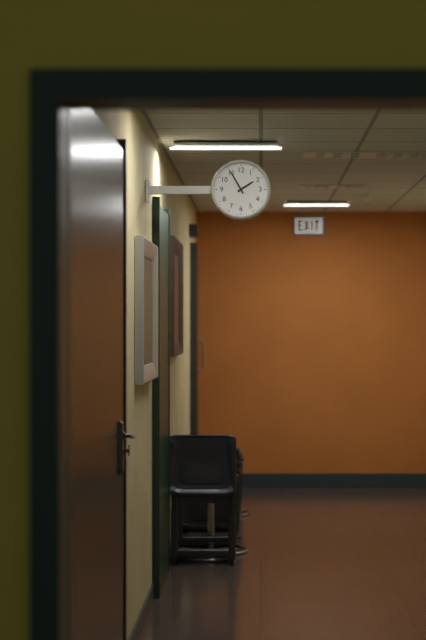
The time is h=1 m=55
